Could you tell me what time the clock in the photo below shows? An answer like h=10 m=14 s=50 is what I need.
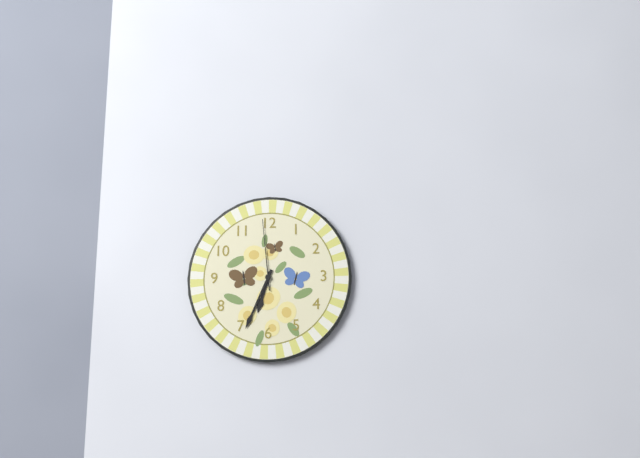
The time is h=6 m=34 s=59
